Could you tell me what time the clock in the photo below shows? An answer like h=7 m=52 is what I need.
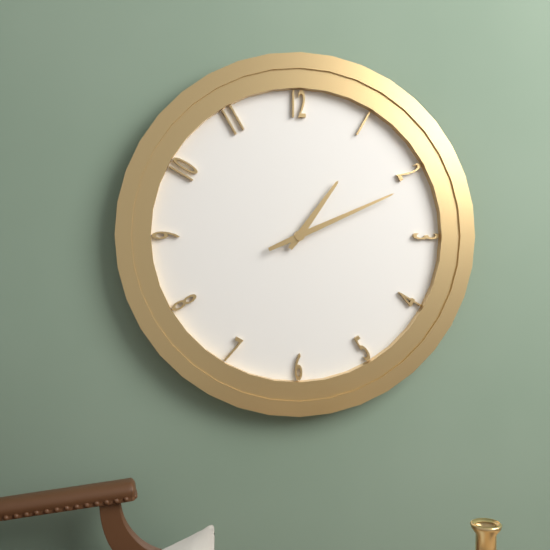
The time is h=1 m=11
